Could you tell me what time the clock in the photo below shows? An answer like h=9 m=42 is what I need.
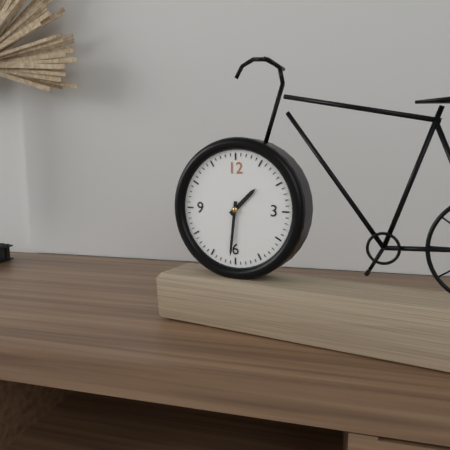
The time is h=1 m=31
